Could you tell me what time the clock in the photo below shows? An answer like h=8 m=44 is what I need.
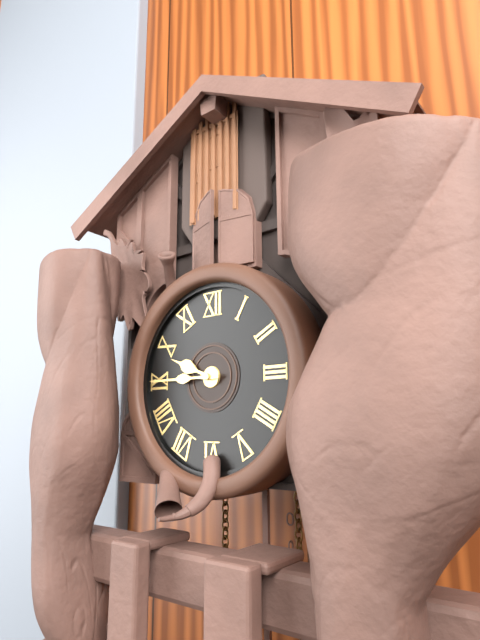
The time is h=9 m=45
